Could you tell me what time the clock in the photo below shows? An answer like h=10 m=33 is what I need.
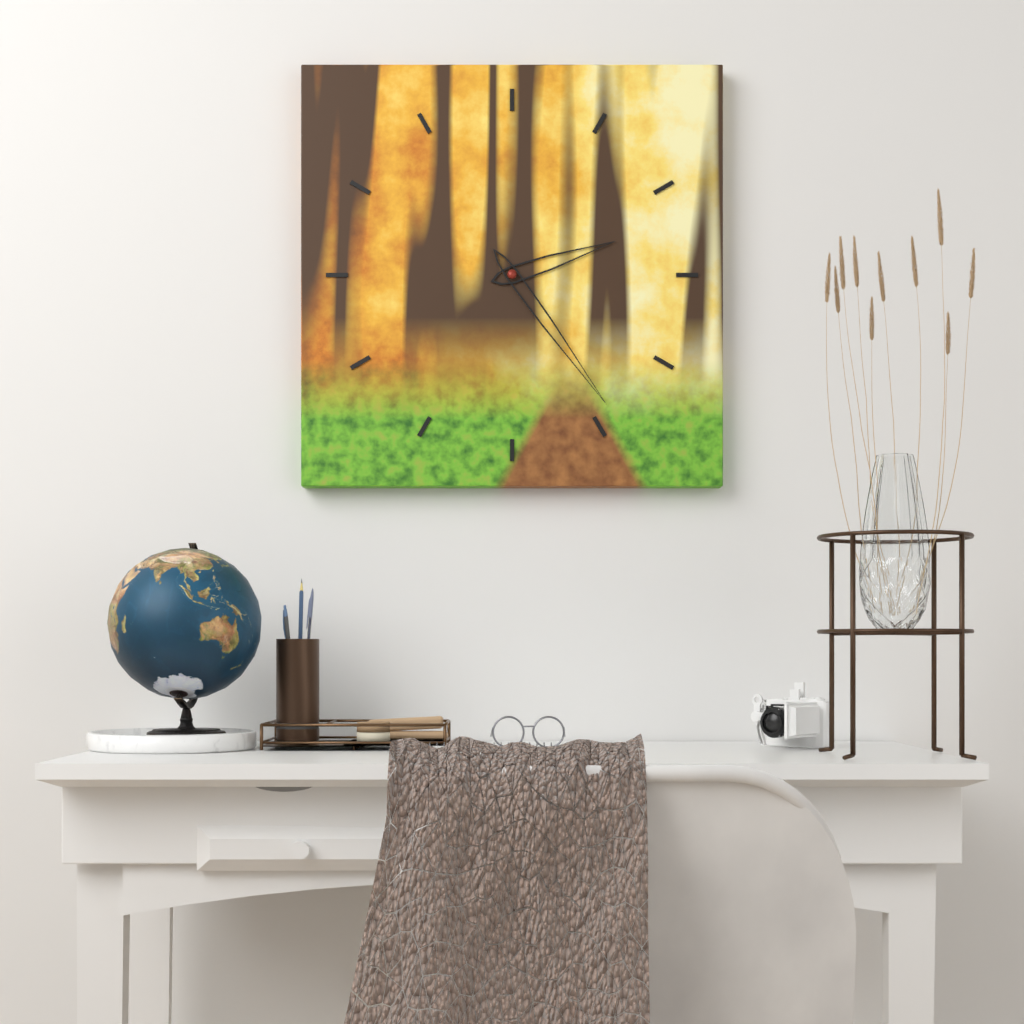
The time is h=2 m=24
